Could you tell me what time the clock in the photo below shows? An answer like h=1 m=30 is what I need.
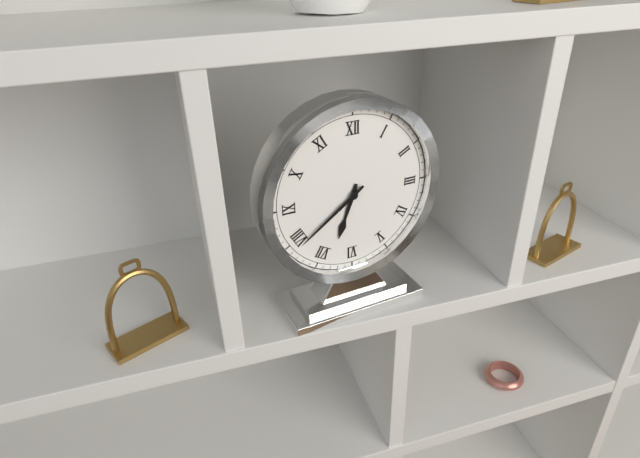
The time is h=6 m=39
